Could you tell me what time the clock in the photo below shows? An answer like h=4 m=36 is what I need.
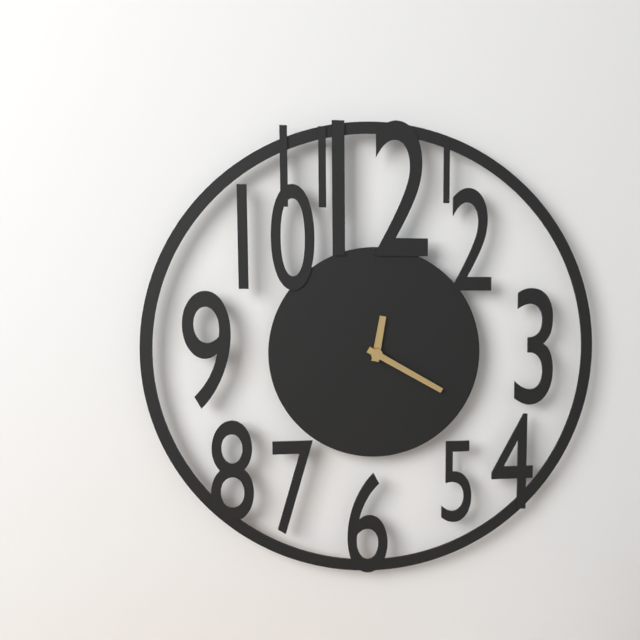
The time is h=12 m=20
